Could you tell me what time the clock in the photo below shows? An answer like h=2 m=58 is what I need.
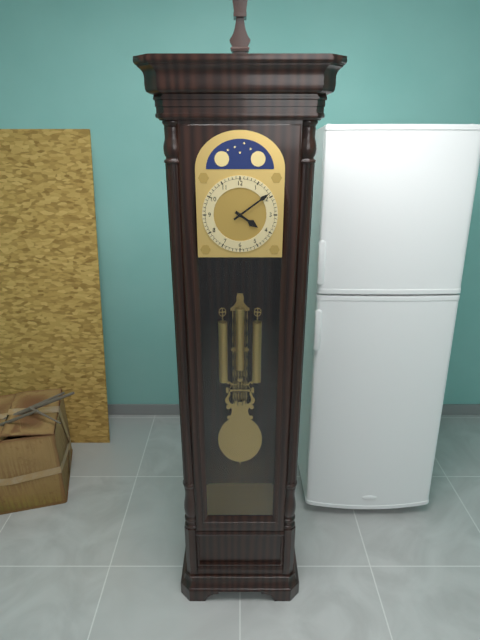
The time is h=4 m=9
